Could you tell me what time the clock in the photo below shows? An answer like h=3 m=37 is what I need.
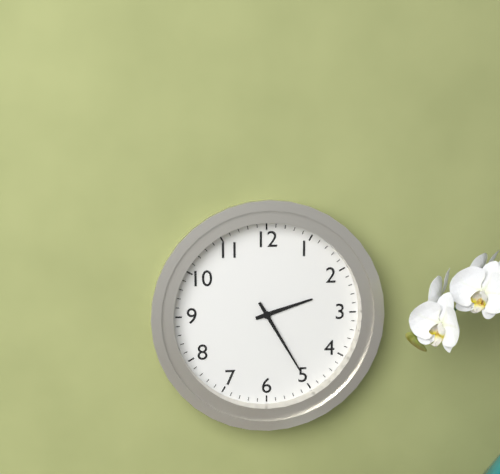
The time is h=2 m=25
